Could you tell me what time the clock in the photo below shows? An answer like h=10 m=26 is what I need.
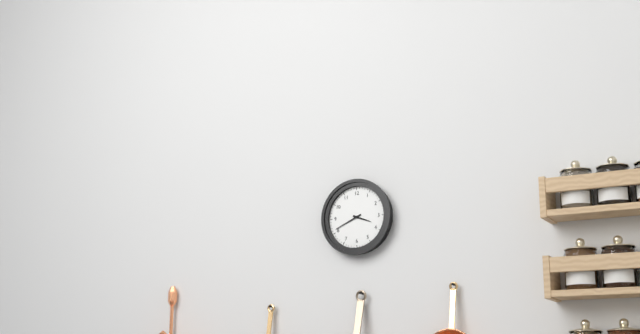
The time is h=3 m=41
